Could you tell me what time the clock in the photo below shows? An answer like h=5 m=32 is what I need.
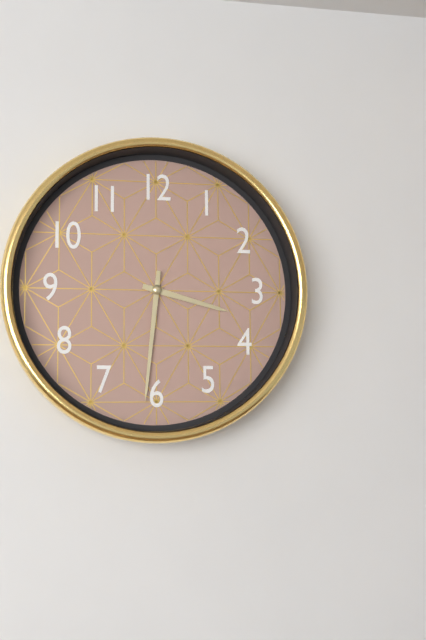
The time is h=3 m=31
